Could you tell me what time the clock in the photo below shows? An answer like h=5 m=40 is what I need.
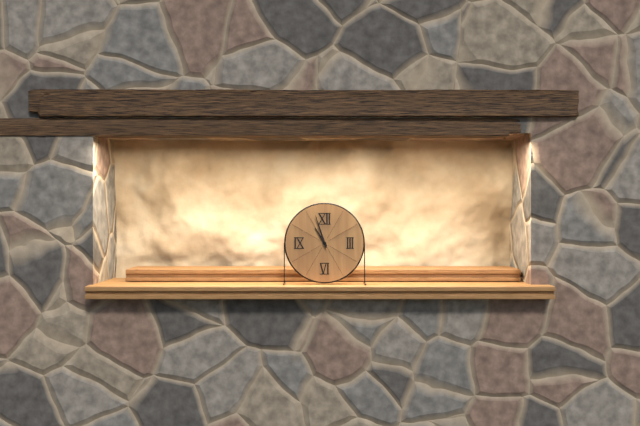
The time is h=10 m=57
